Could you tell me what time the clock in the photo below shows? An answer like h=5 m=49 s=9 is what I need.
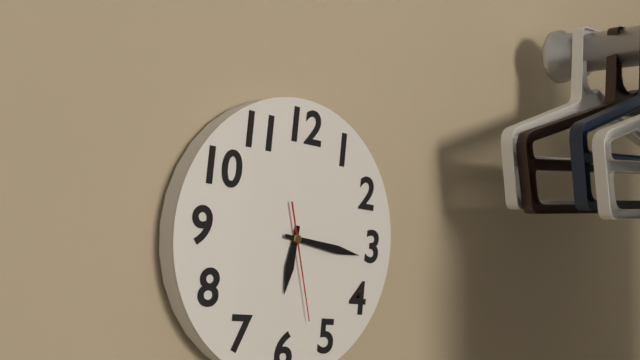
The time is h=6 m=16 s=27
